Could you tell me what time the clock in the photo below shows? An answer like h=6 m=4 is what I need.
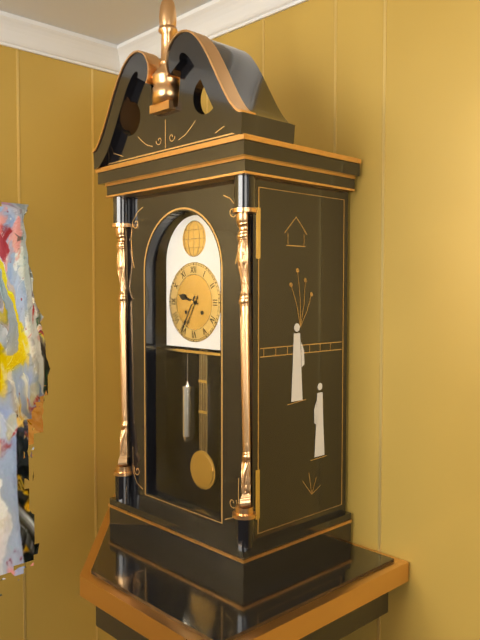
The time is h=9 m=35
